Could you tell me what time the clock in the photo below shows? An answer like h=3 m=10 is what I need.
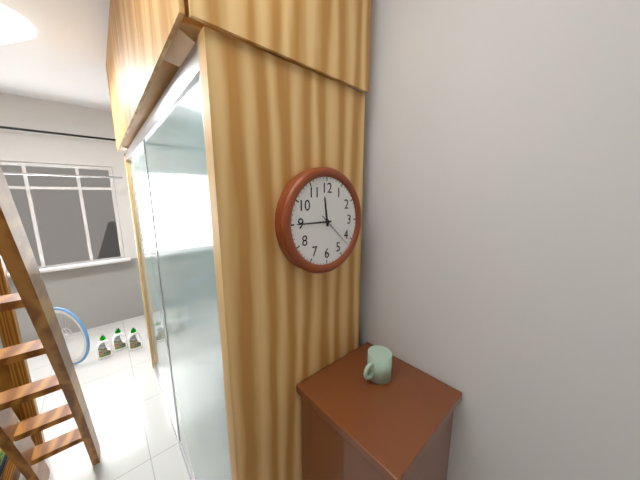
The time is h=11 m=45
